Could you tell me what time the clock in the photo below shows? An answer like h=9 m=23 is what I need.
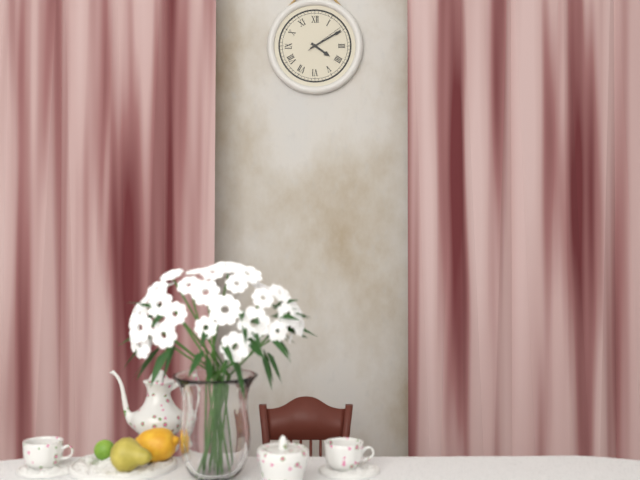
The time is h=4 m=10
